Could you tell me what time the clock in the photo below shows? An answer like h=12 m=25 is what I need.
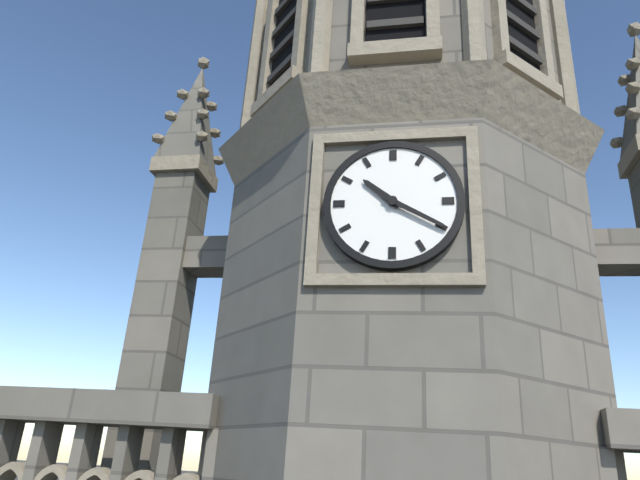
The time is h=10 m=20
